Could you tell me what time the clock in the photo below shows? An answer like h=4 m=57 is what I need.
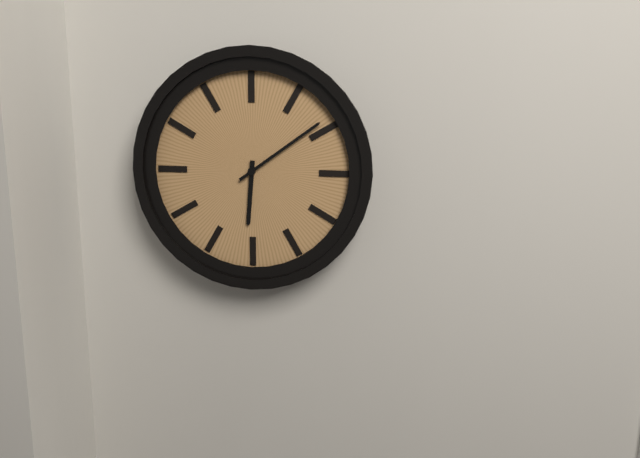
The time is h=6 m=9
